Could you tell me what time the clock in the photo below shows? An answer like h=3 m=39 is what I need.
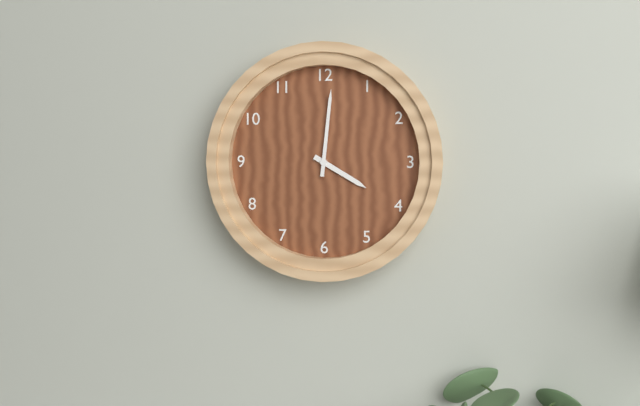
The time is h=4 m=1
